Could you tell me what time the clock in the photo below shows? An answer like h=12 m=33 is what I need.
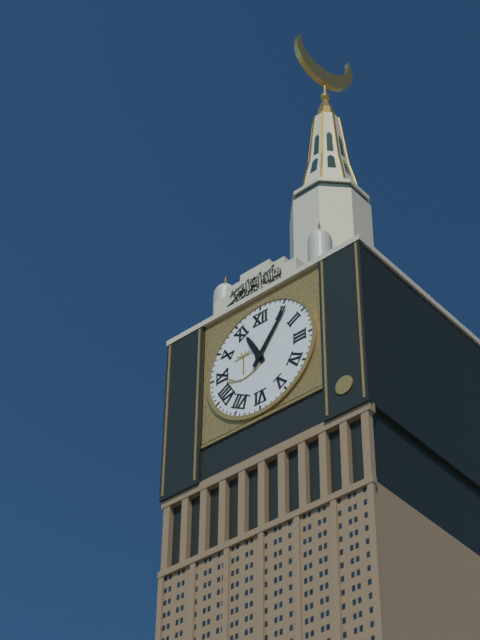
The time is h=11 m=6
